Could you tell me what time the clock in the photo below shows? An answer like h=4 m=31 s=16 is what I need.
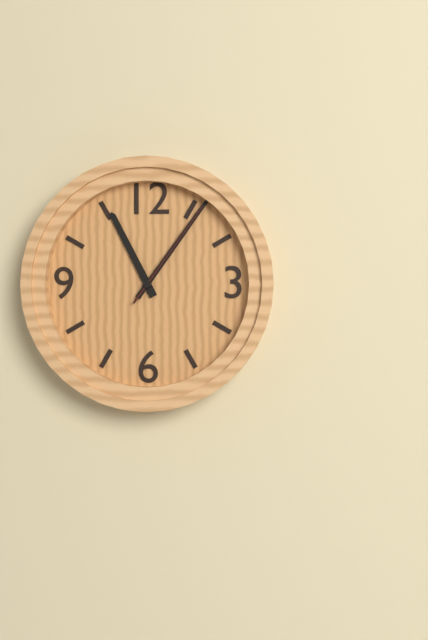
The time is h=11 m=6 s=6
